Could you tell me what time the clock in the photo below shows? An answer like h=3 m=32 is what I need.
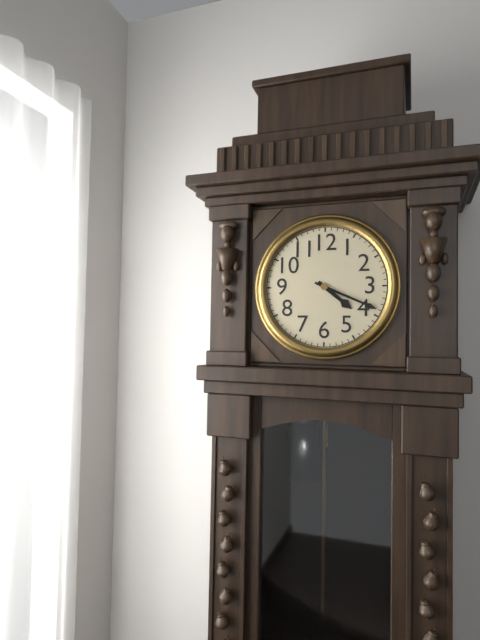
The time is h=4 m=19
